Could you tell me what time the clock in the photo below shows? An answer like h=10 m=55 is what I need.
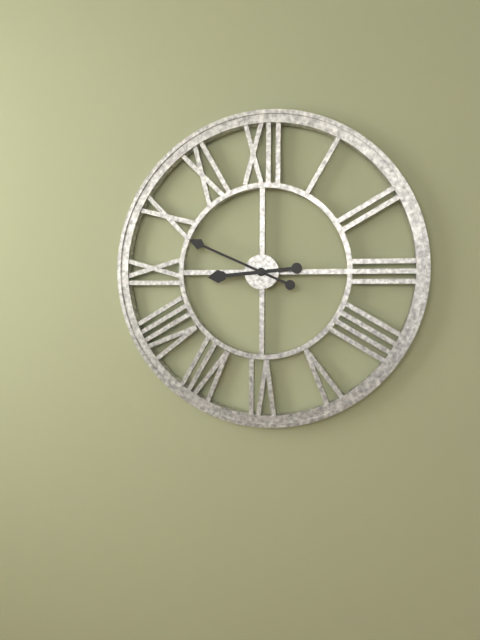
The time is h=8 m=49
